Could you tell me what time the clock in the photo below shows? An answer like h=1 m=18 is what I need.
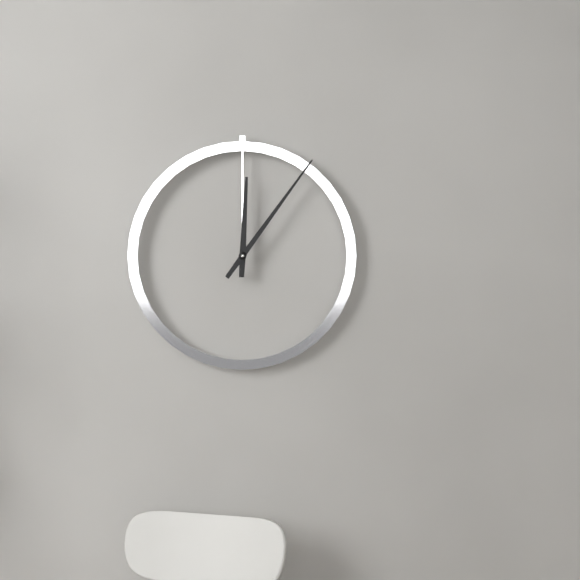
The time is h=12 m=6
